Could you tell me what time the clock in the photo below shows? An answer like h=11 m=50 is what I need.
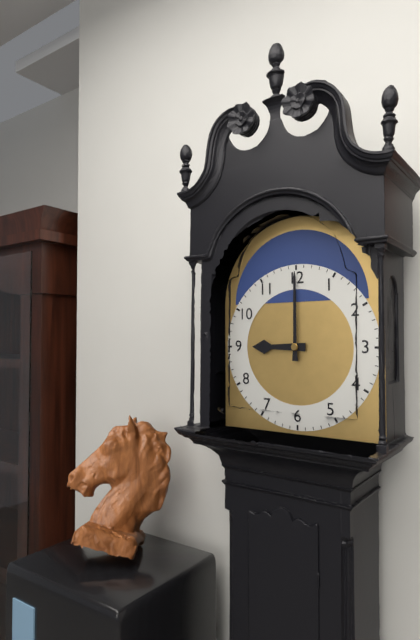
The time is h=9 m=0
